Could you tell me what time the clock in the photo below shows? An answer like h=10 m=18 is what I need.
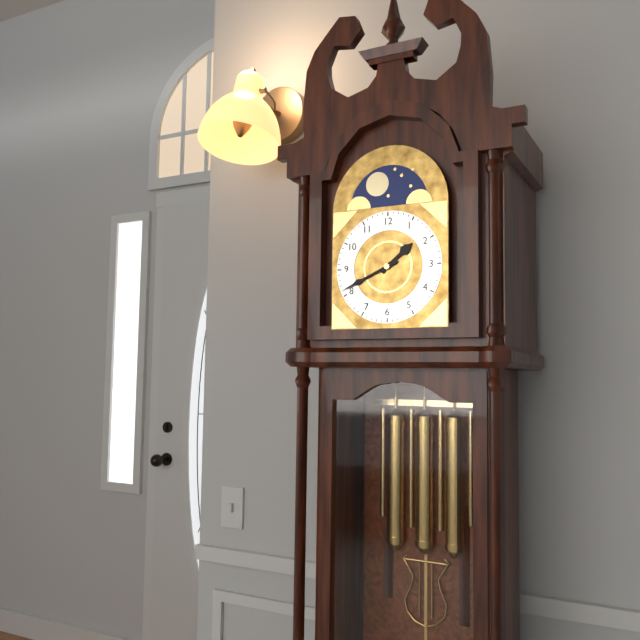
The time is h=1 m=41
